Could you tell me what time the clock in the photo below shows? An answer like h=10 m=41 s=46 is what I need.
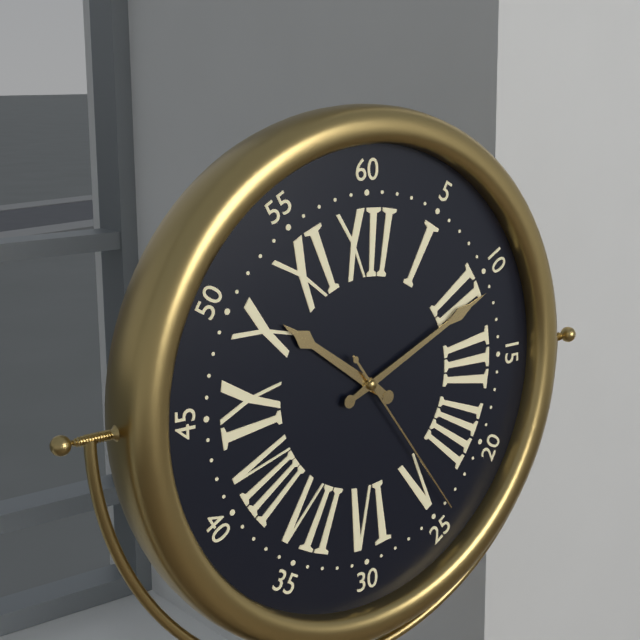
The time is h=10 m=11 s=24
